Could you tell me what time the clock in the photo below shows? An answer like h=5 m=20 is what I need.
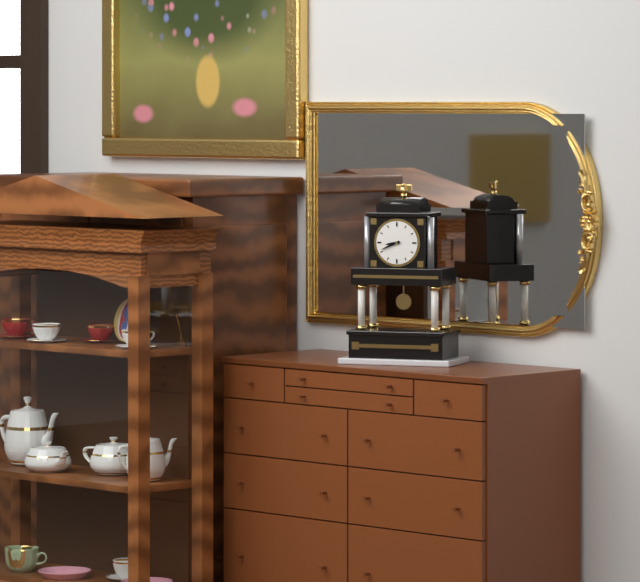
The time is h=8 m=41
